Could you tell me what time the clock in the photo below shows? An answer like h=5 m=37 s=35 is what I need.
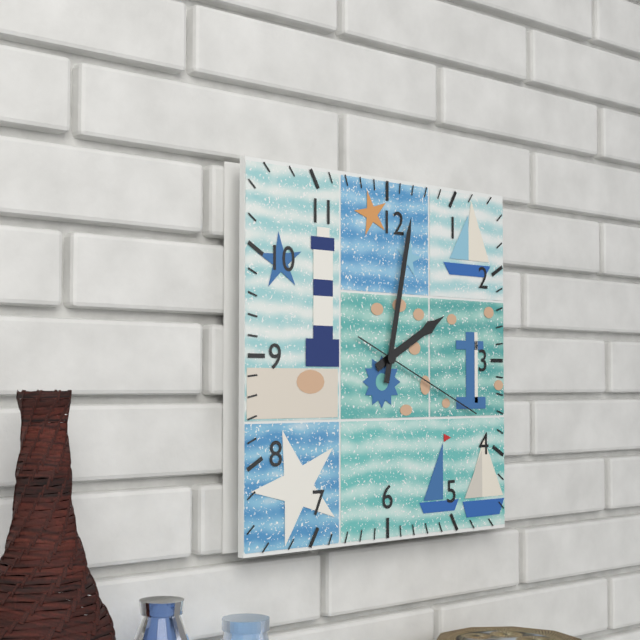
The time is h=2 m=2 s=19
